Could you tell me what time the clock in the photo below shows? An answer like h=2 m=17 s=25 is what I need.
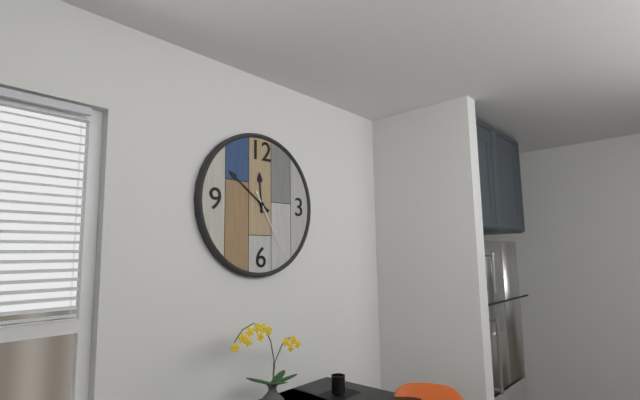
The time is h=11 m=51 s=25
